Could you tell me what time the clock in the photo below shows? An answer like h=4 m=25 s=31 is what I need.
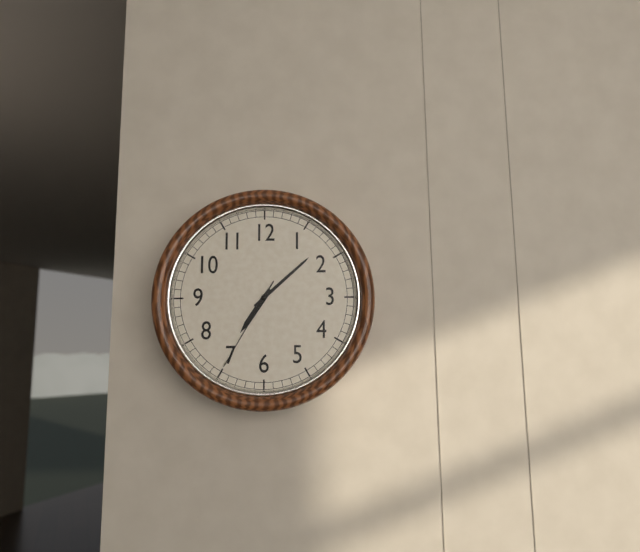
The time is h=7 m=8 s=35
